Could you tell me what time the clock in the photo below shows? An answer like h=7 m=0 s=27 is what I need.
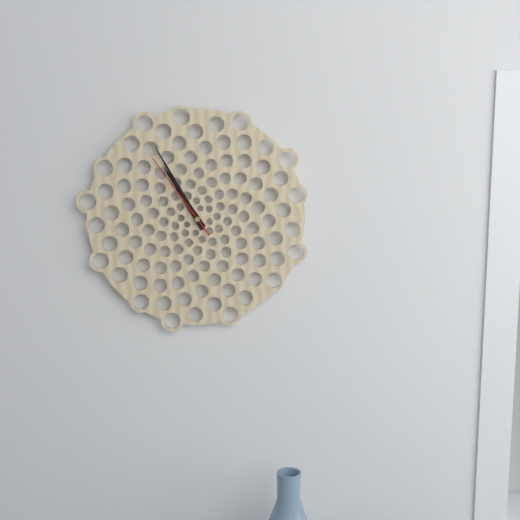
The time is h=10 m=55 s=54
